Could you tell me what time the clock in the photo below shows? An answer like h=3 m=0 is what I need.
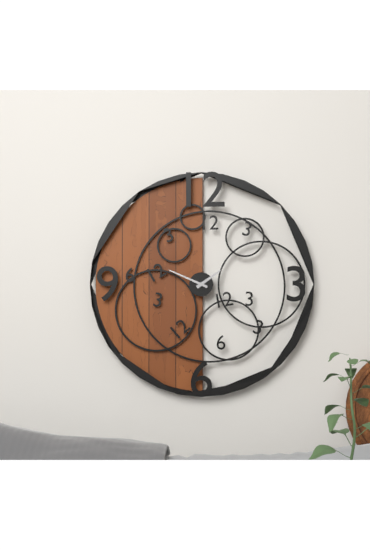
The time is h=1 m=49
